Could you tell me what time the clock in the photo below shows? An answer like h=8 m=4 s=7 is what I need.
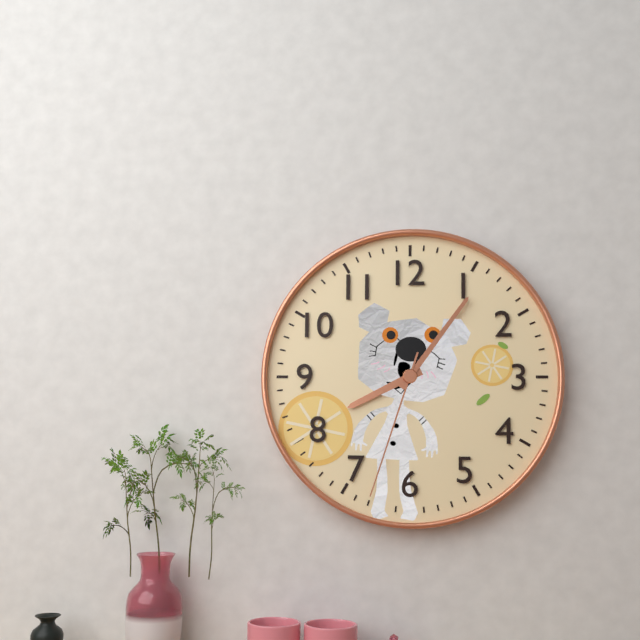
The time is h=8 m=6 s=33
